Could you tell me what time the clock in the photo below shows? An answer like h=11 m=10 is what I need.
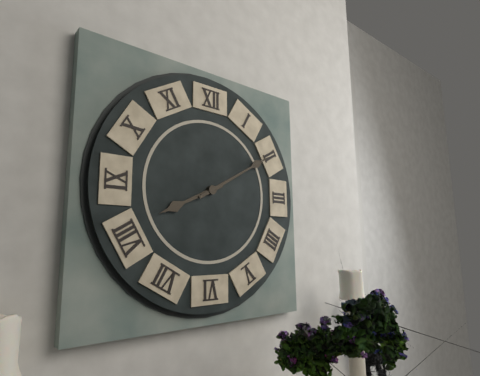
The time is h=8 m=10
